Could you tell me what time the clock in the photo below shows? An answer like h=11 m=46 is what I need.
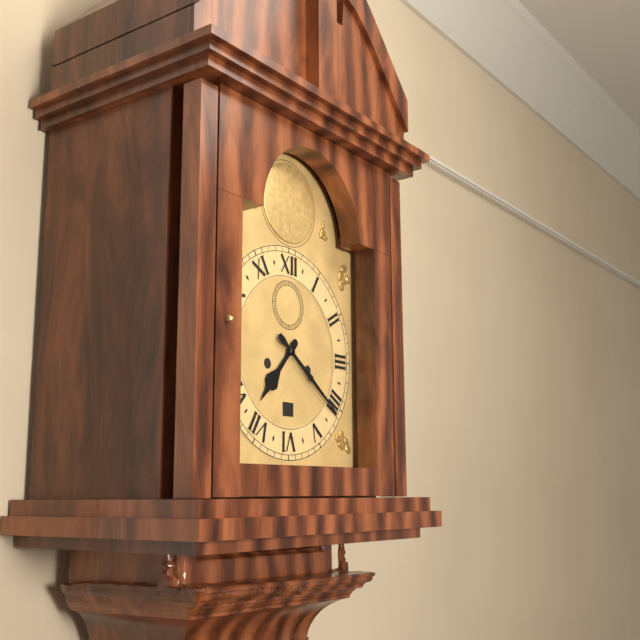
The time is h=7 m=21
